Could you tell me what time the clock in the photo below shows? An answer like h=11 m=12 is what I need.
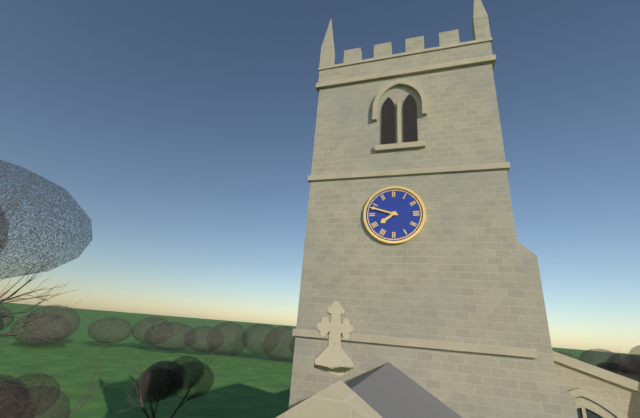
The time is h=7 m=48
